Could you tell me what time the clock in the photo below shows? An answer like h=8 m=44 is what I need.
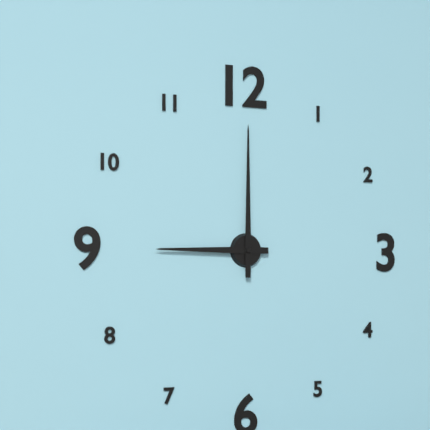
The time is h=9 m=0
